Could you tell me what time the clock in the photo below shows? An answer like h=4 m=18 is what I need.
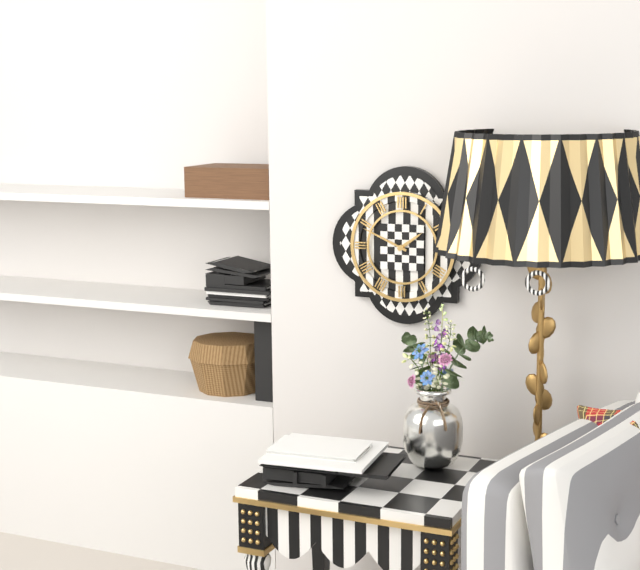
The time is h=1 m=49
